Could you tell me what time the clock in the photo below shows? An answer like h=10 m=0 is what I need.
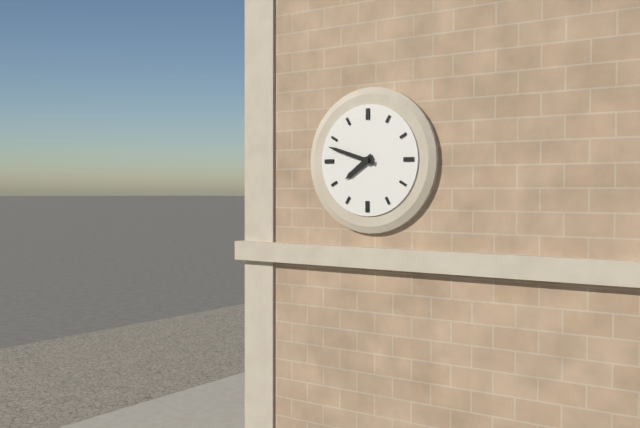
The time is h=7 m=48
